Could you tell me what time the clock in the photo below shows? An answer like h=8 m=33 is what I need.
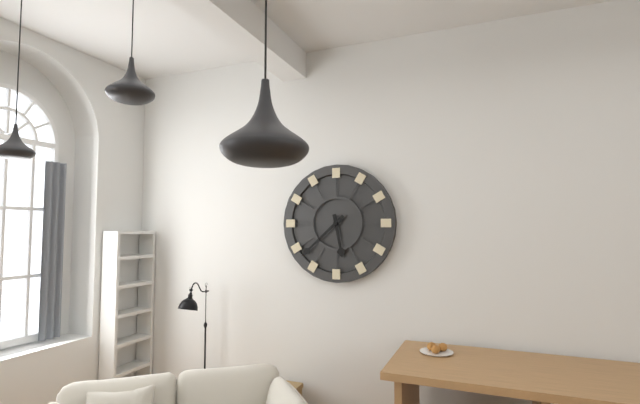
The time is h=5 m=38
